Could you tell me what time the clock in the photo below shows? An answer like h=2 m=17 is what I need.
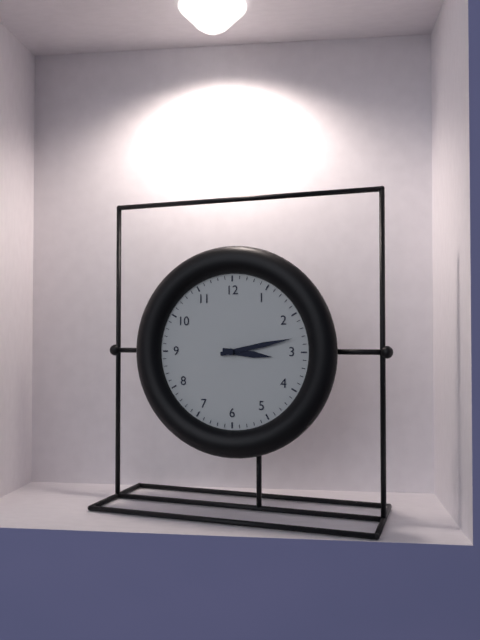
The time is h=3 m=13
